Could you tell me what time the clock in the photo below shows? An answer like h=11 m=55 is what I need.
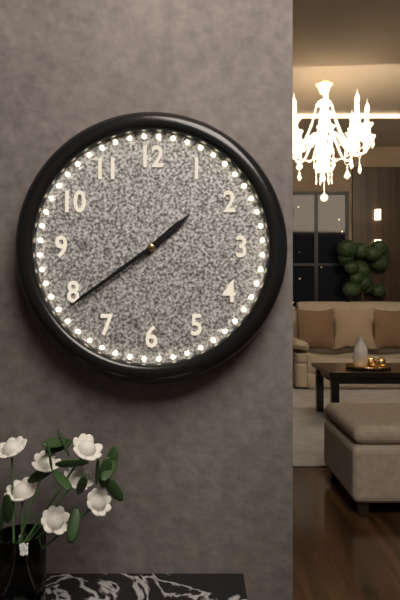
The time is h=1 m=39
